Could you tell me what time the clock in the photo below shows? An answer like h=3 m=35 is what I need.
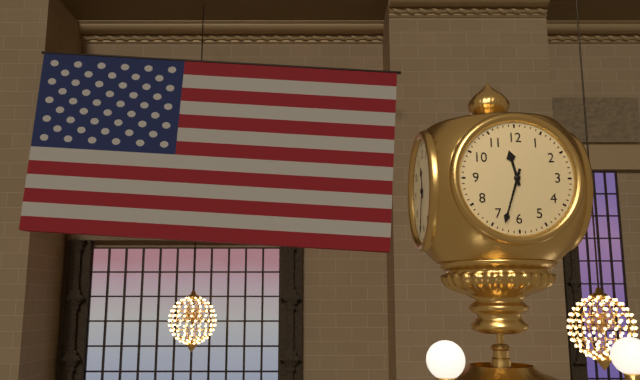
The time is h=11 m=33
